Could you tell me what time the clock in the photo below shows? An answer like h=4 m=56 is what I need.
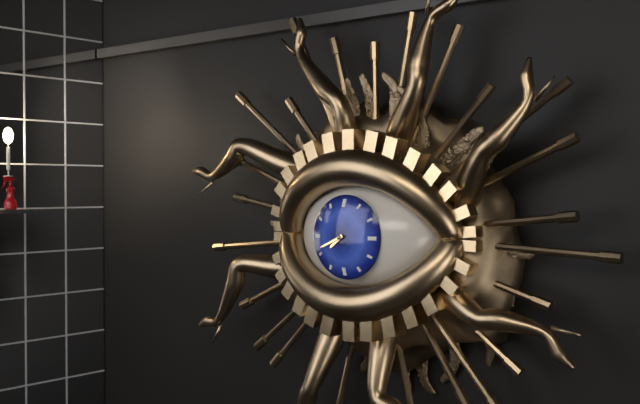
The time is h=7 m=41
